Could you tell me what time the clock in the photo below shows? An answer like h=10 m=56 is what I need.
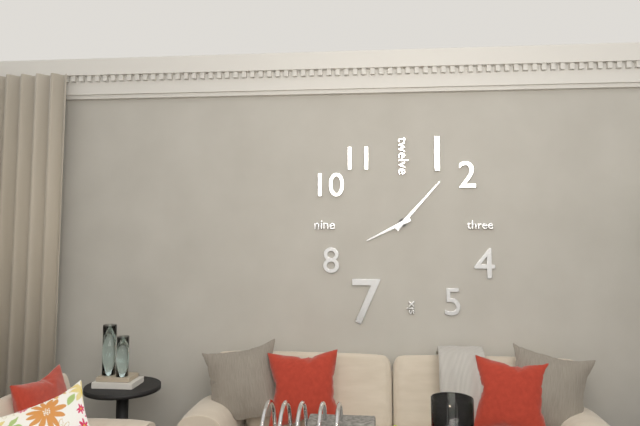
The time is h=8 m=7
